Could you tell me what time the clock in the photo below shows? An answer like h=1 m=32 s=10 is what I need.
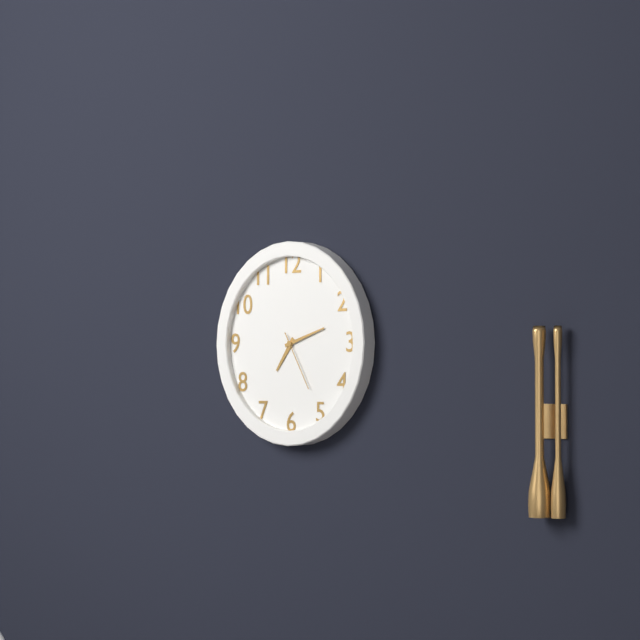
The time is h=7 m=12 s=25
